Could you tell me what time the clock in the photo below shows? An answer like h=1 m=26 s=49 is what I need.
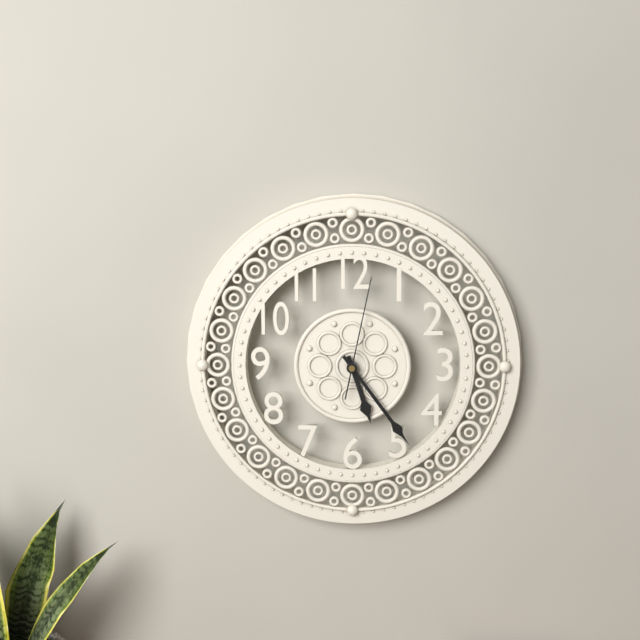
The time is h=5 m=24 s=2
